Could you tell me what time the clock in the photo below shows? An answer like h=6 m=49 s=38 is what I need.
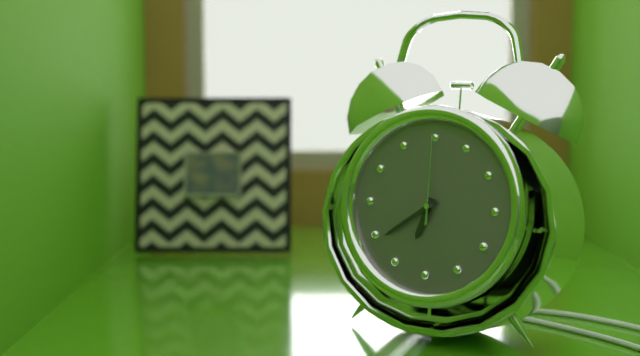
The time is h=6 m=39 s=0
